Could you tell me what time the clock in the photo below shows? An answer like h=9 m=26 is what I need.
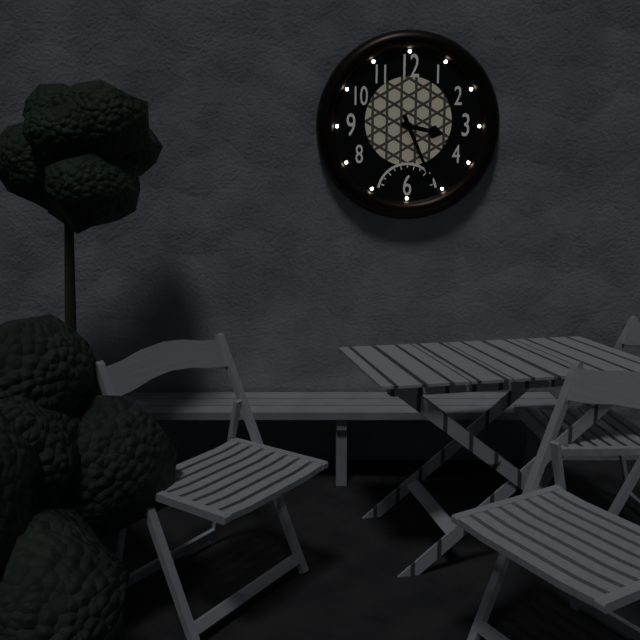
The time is h=3 m=26
